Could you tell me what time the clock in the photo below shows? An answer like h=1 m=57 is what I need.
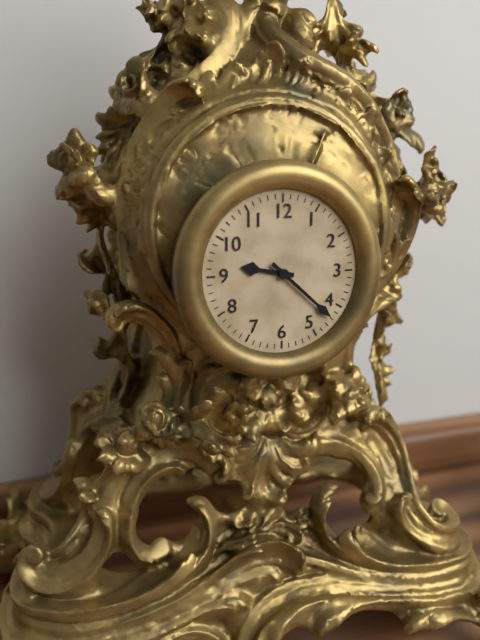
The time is h=9 m=22
